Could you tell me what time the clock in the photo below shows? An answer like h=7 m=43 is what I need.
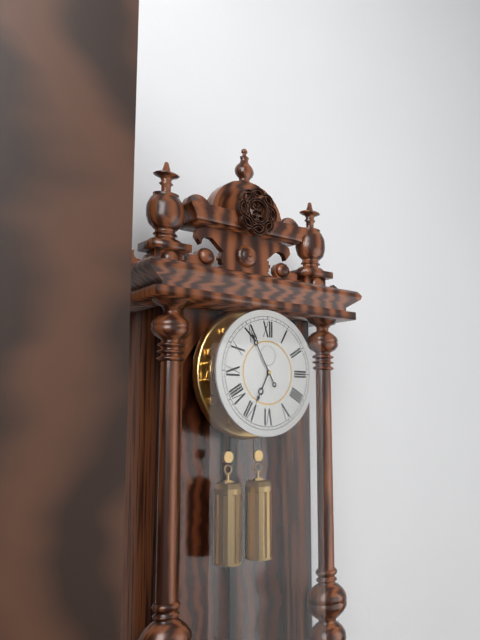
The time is h=6 m=55
